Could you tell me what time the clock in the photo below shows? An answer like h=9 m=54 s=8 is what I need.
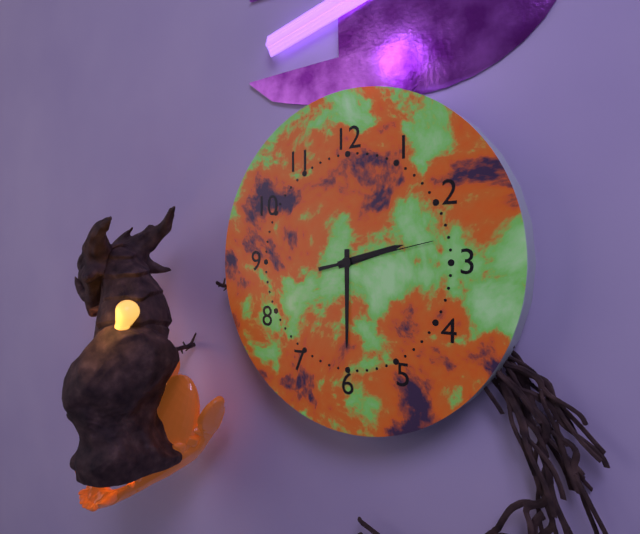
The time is h=2 m=30 s=13
